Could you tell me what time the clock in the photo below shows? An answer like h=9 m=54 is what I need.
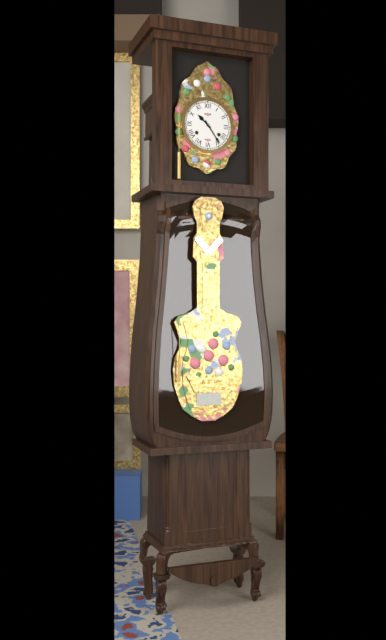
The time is h=10 m=24
